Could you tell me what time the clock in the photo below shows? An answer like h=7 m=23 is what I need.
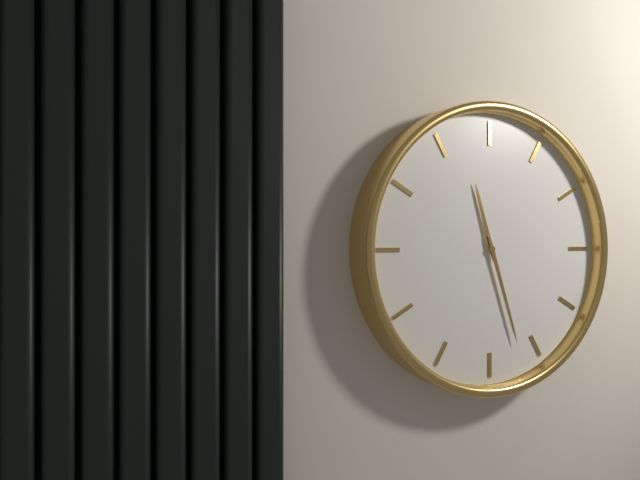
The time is h=11 m=27
